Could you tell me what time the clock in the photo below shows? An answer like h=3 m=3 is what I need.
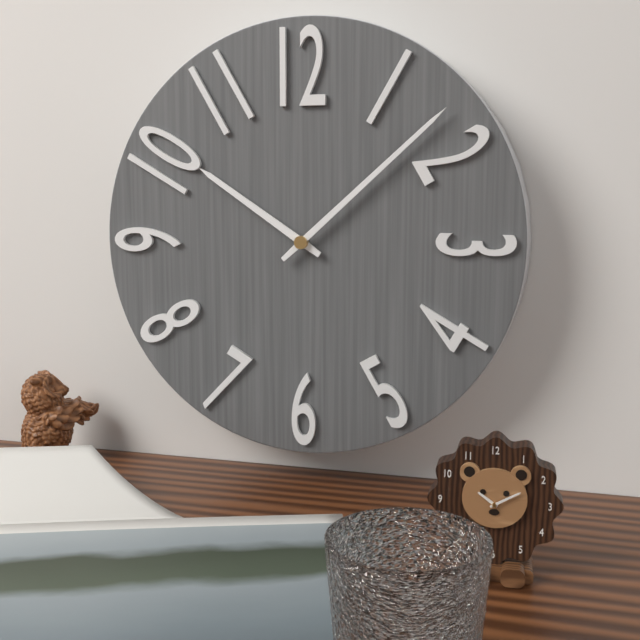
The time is h=10 m=8
